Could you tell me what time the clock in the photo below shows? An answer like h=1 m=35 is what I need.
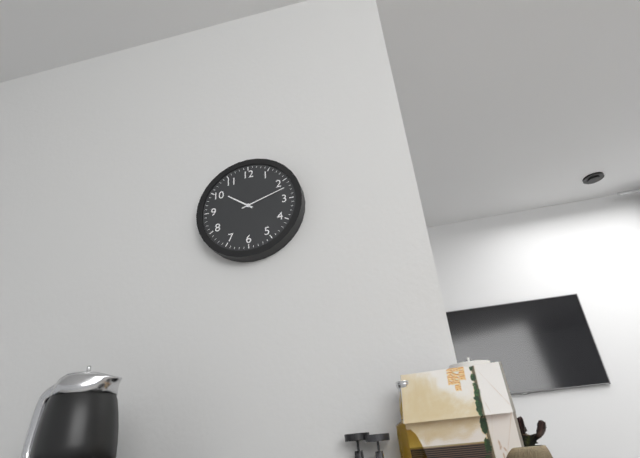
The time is h=10 m=12
